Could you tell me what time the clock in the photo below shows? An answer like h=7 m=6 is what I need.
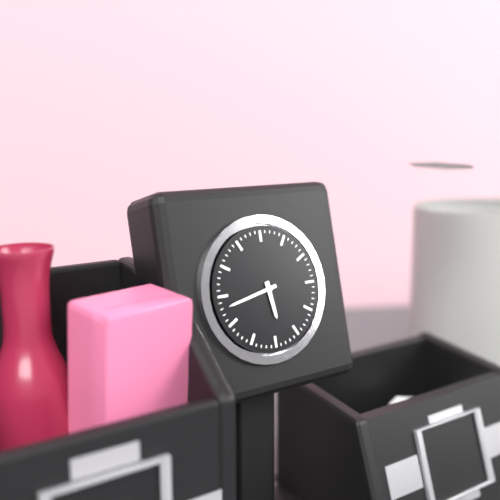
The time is h=5 m=43
